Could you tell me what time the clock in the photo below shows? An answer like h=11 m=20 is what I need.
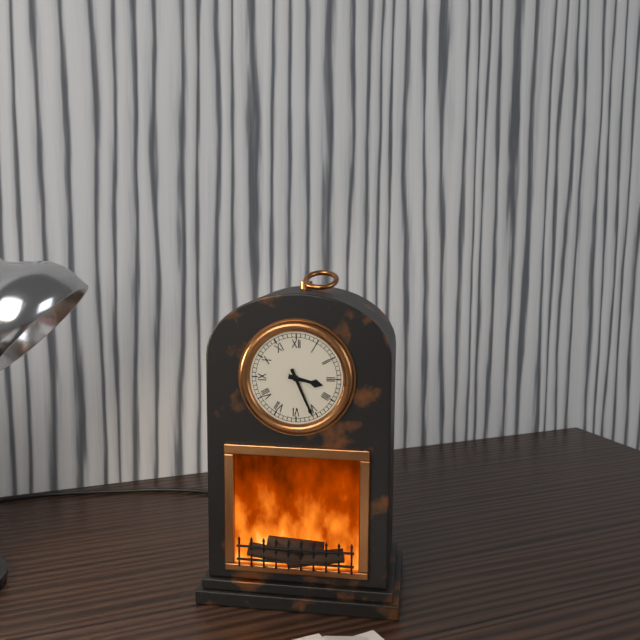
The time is h=3 m=26
